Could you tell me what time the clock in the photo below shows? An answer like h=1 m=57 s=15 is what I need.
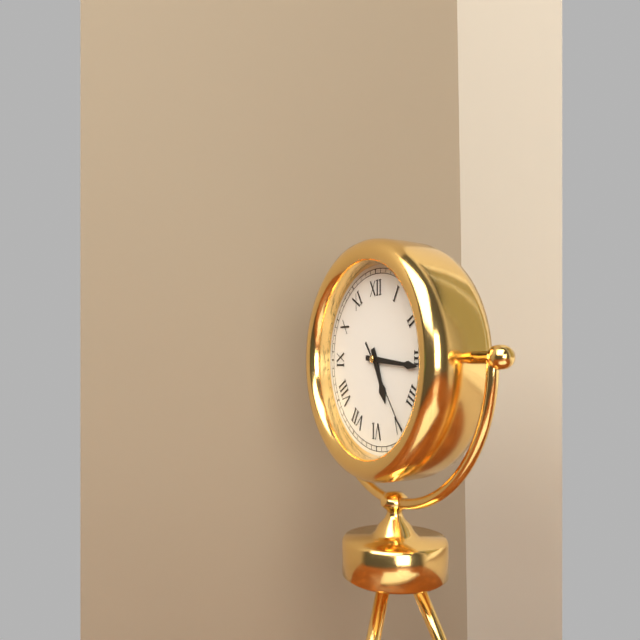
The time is h=5 m=16 s=24
